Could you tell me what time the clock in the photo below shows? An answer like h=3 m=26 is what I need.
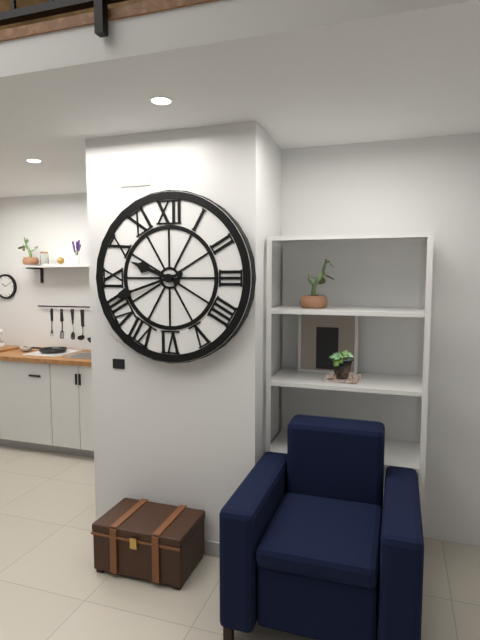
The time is h=9 m=42
